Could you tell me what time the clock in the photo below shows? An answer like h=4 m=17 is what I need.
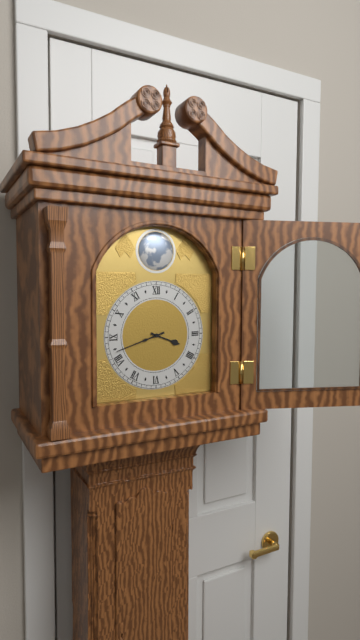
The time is h=3 m=42
